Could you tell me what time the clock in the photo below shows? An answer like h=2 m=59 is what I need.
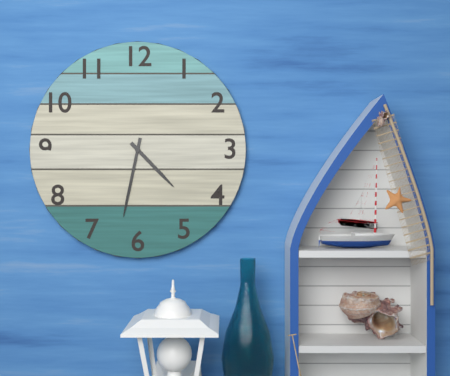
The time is h=4 m=32
